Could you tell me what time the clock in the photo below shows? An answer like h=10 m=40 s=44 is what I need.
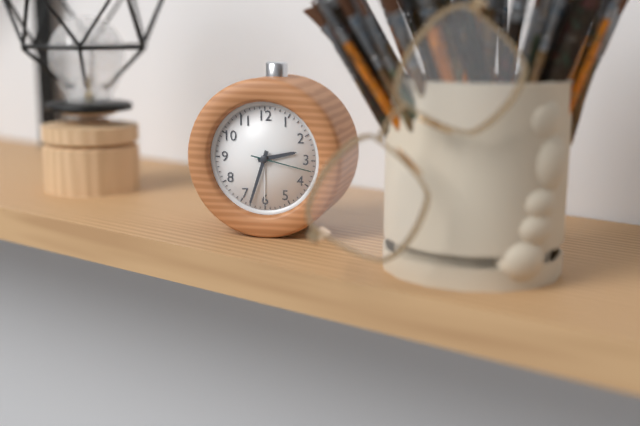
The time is h=2 m=33 s=17
